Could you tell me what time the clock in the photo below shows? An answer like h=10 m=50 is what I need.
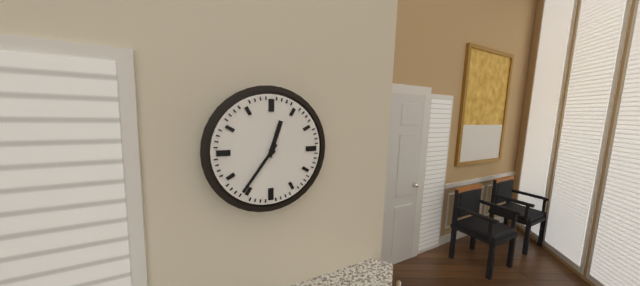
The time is h=12 m=36
